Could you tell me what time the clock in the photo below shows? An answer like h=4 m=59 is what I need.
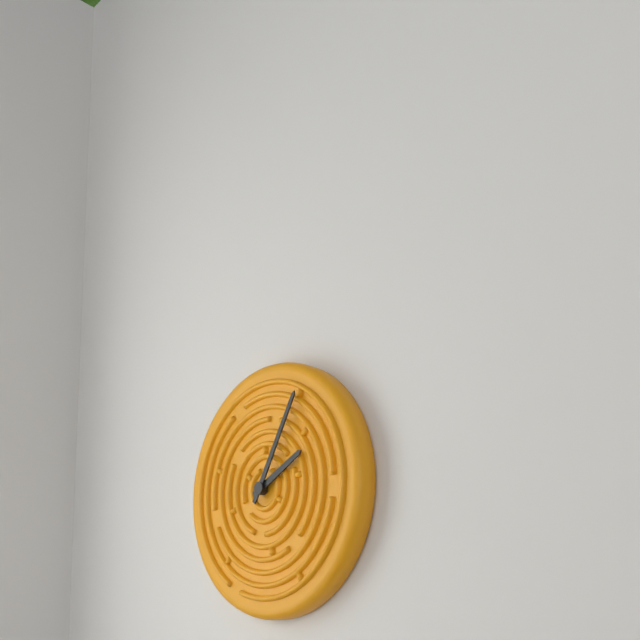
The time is h=2 m=5
